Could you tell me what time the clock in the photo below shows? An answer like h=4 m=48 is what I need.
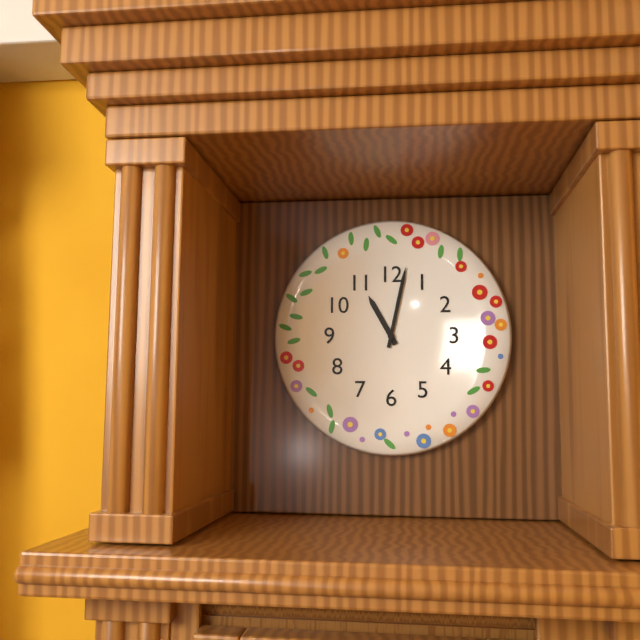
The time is h=11 m=2
